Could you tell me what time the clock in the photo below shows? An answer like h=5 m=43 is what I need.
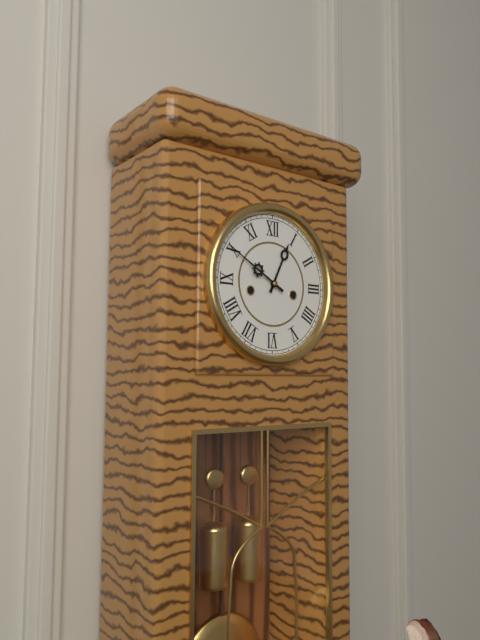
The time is h=12 m=50
